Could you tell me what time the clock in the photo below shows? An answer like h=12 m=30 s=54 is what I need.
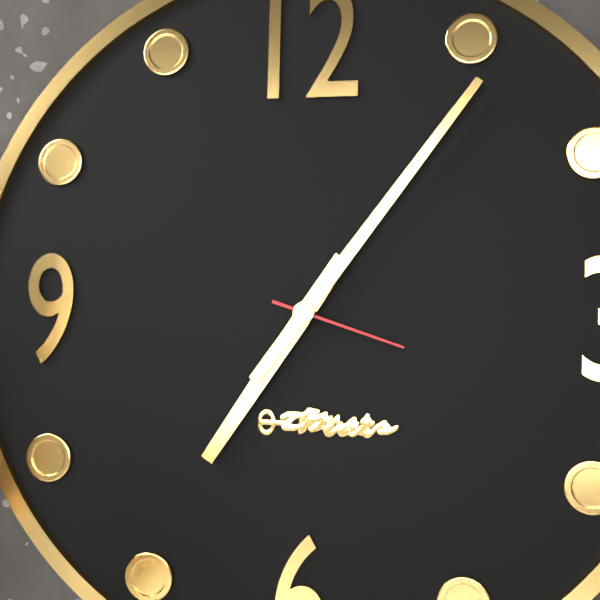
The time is h=7 m=6 s=18
